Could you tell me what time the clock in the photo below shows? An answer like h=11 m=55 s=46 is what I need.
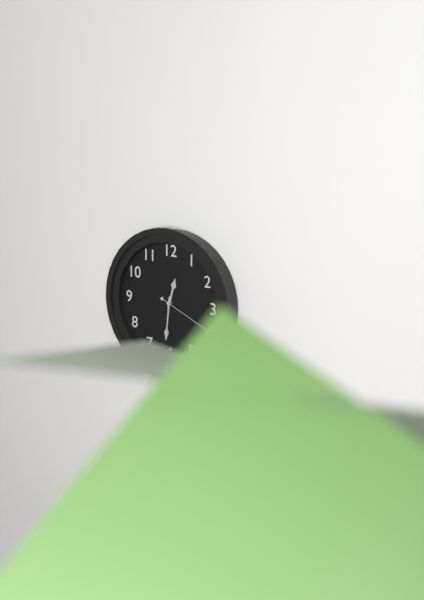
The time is h=12 m=31 s=19
